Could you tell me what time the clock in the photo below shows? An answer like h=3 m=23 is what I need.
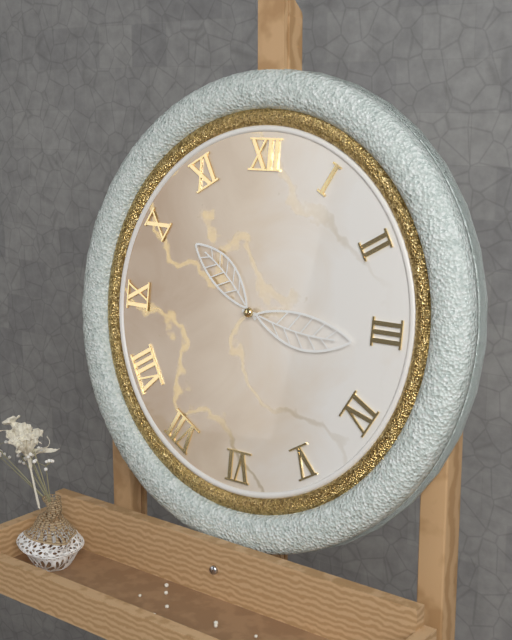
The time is h=10 m=16
